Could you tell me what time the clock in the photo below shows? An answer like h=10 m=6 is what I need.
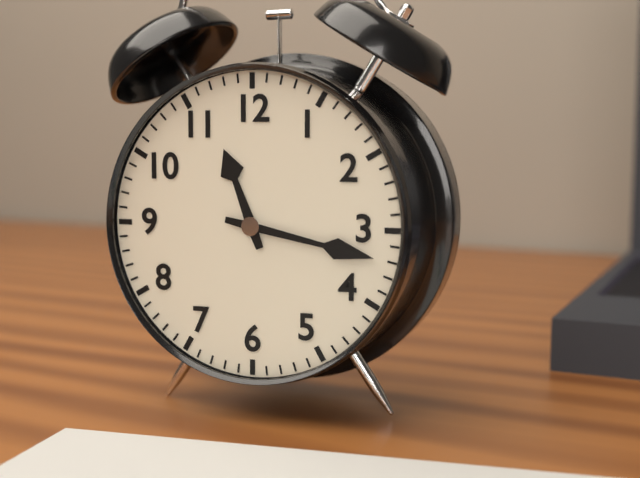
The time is h=11 m=17
